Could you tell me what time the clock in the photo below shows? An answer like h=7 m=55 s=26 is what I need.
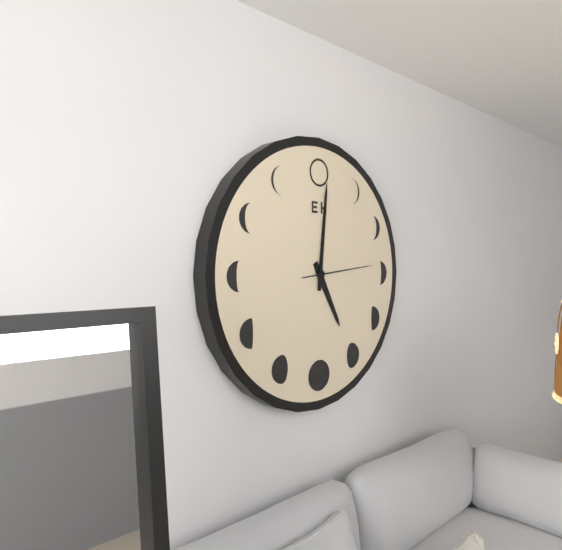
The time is h=5 m=1 s=14
